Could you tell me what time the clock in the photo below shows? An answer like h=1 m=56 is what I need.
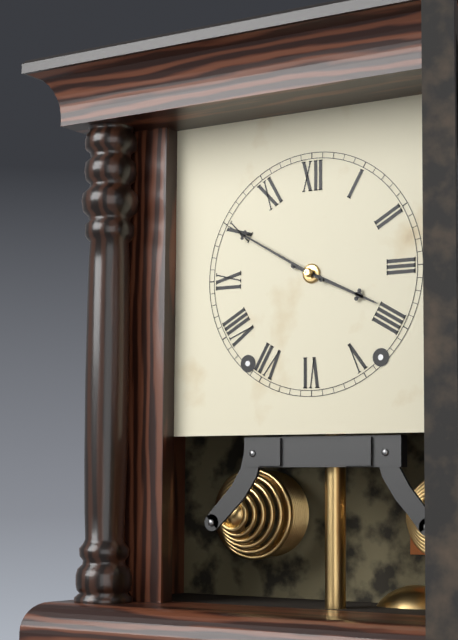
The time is h=3 m=50
